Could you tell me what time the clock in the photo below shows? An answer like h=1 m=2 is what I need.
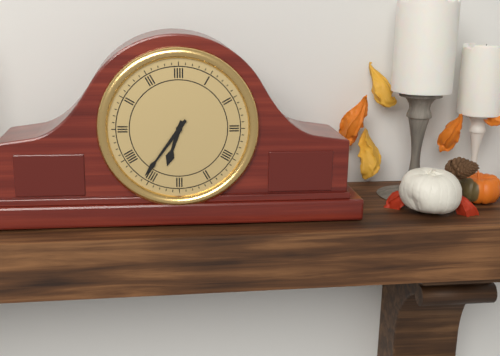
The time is h=6 m=36
